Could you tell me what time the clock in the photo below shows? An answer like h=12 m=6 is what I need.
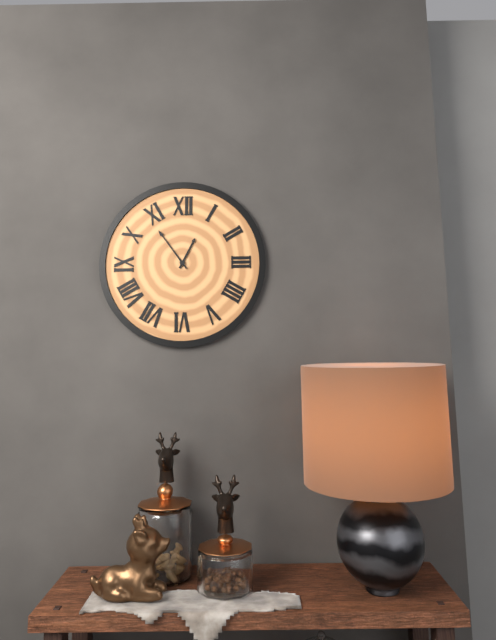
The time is h=12 m=54
